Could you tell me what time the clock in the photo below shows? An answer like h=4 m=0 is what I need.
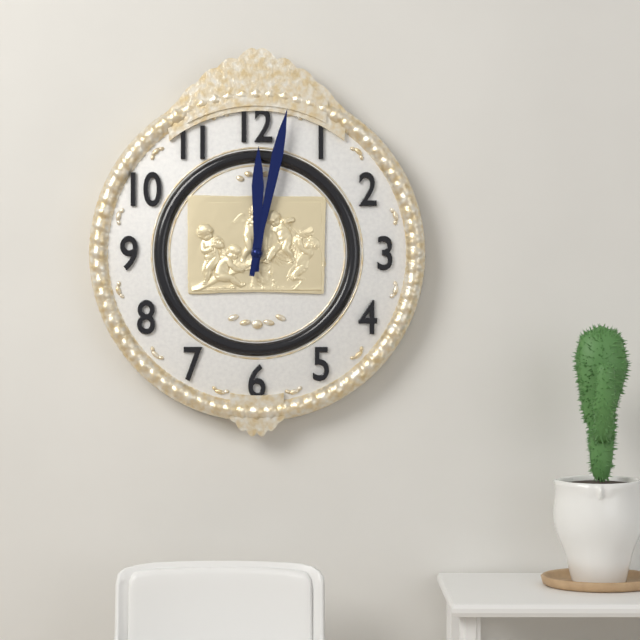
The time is h=12 m=2
